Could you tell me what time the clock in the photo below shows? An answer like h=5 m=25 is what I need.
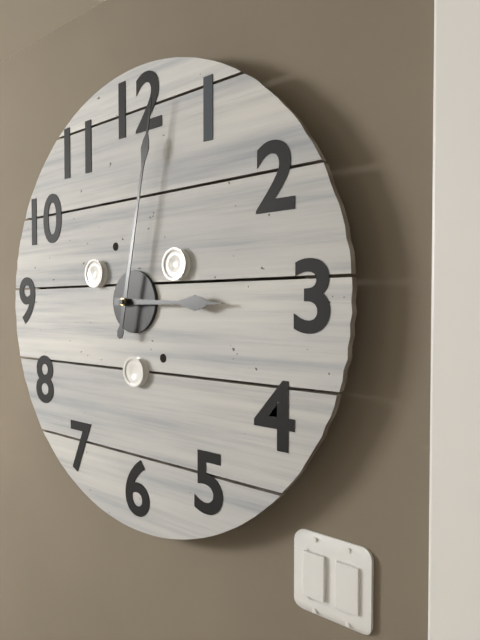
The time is h=3 m=2
